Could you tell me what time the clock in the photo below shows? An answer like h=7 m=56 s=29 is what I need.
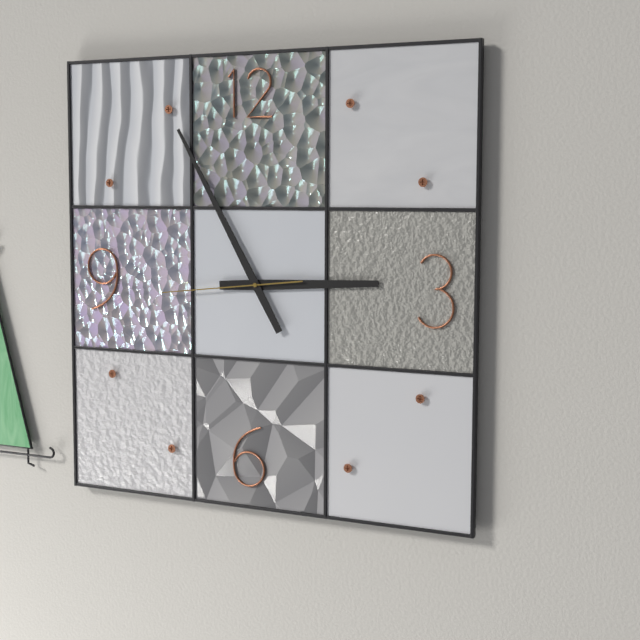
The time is h=2 m=55 s=44
